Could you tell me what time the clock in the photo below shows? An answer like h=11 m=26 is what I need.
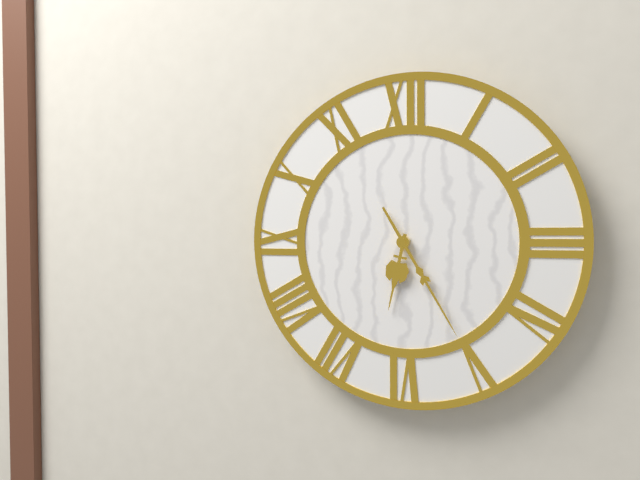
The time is h=6 m=25
